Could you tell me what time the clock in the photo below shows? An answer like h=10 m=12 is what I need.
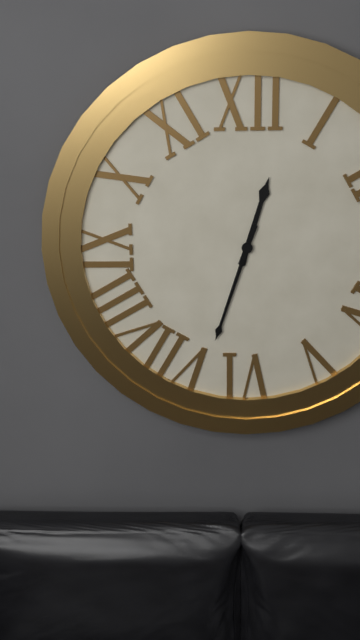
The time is h=12 m=33
